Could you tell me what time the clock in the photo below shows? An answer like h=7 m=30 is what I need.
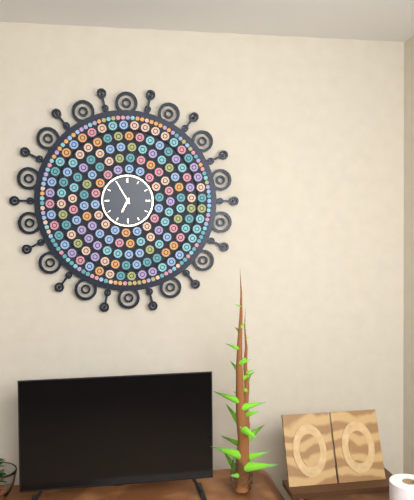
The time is h=6 m=55
